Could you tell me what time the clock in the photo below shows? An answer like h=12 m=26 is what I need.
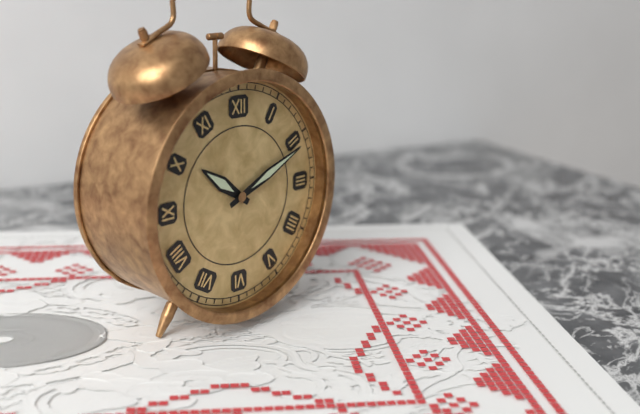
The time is h=10 m=11
